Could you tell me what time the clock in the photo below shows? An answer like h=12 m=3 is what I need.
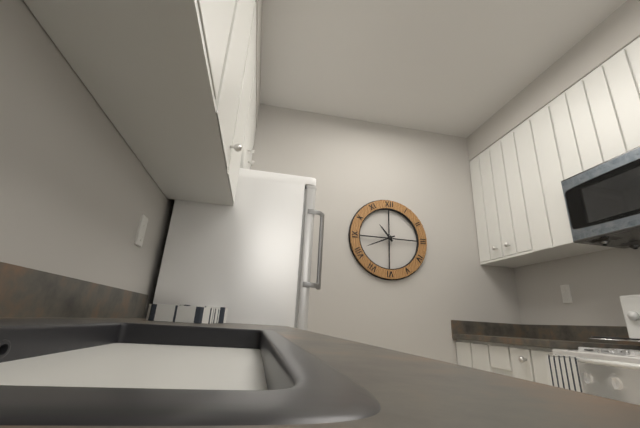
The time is h=10 m=41
